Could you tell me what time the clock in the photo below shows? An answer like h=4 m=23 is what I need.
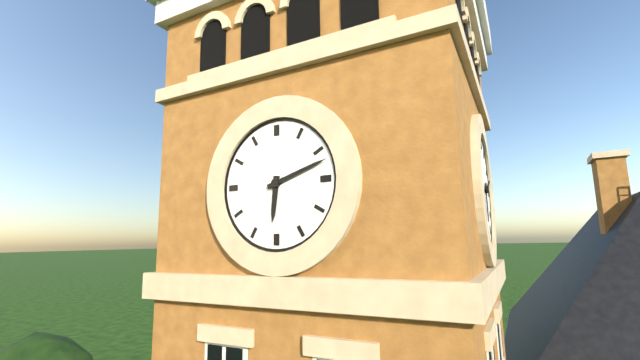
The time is h=6 m=12
